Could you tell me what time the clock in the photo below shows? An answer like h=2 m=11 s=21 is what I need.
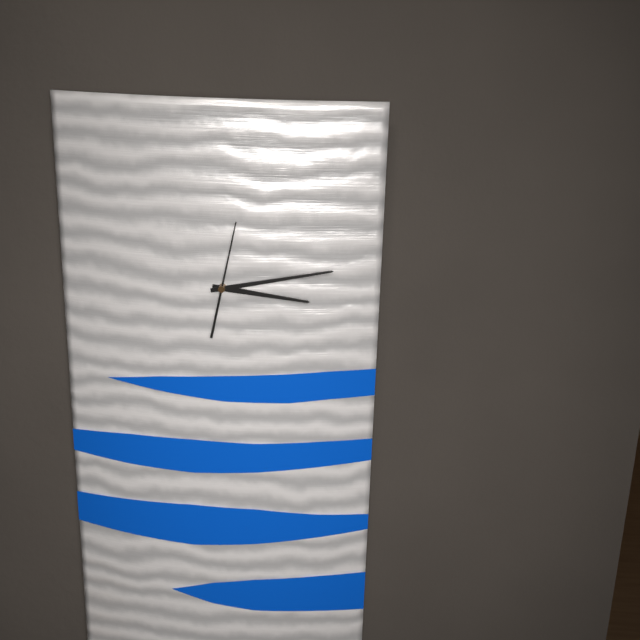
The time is h=3 m=13 s=2
